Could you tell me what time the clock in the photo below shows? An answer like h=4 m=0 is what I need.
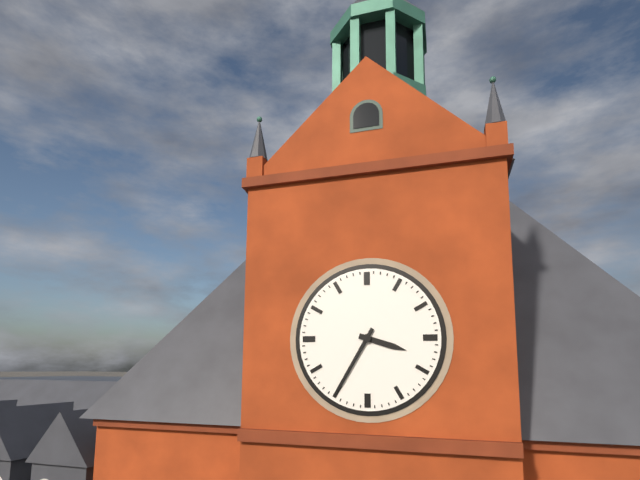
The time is h=3 m=35
